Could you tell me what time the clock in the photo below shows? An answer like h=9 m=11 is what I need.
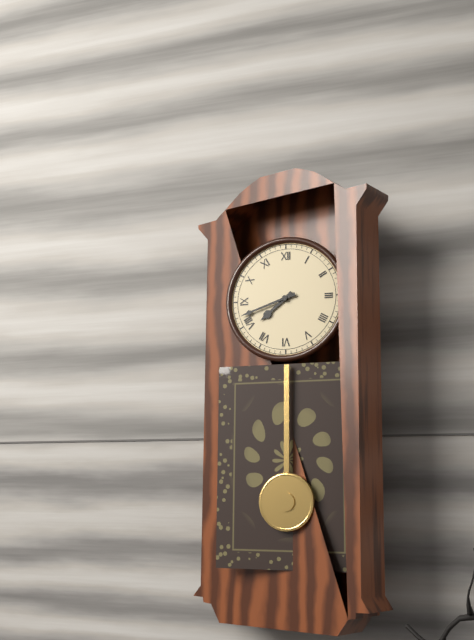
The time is h=7 m=42
